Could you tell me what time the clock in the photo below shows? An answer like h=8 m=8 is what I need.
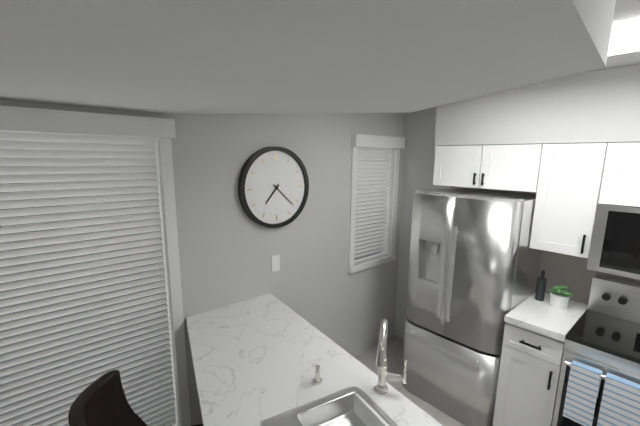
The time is h=7 m=22
